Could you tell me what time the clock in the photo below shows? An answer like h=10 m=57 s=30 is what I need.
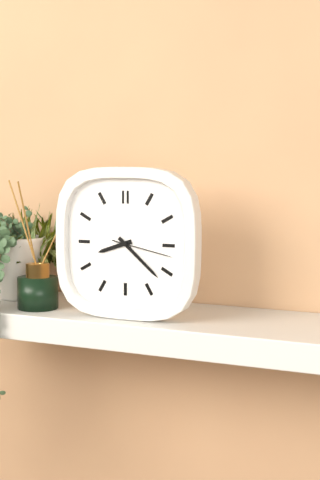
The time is h=8 m=22 s=17
